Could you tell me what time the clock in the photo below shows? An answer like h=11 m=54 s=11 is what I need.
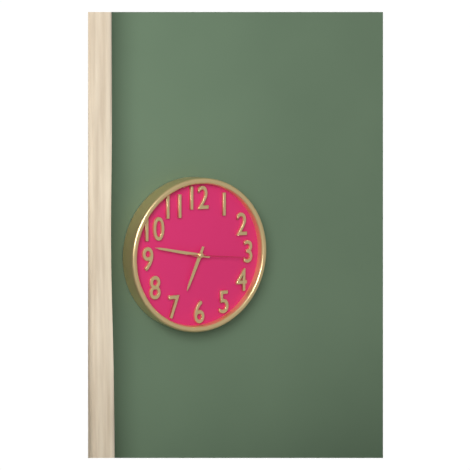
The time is h=6 m=47 s=16
